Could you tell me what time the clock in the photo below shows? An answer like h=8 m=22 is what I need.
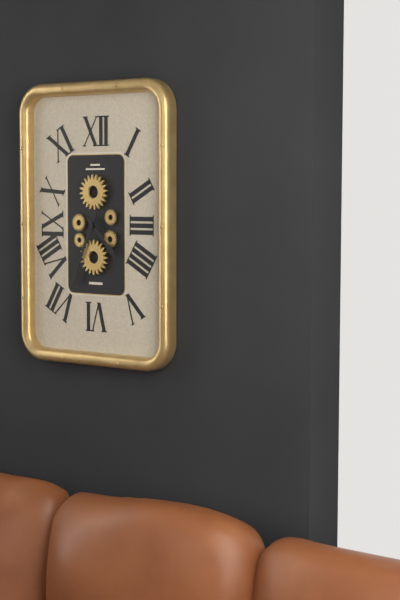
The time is h=4 m=34
